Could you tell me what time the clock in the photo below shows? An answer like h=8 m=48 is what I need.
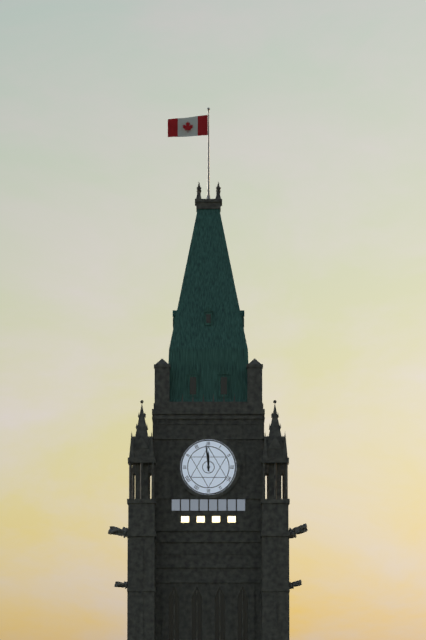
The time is h=11 m=59
